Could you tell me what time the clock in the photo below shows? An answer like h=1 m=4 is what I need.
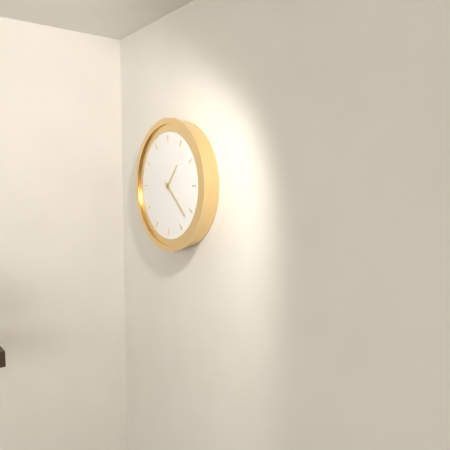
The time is h=1 m=22
